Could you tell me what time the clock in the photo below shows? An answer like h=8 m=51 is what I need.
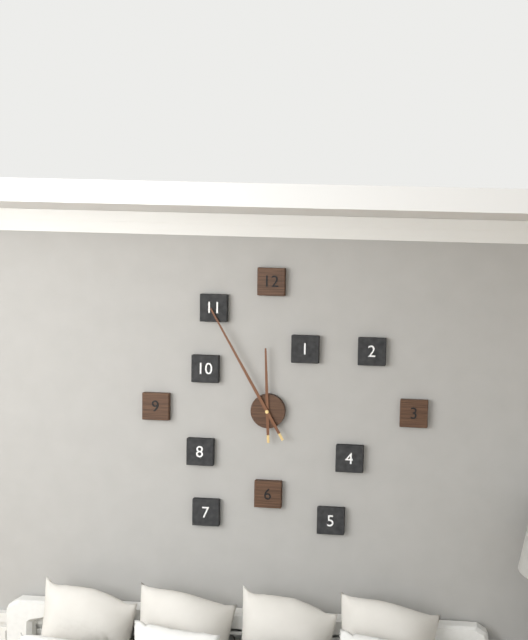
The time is h=11 m=55
